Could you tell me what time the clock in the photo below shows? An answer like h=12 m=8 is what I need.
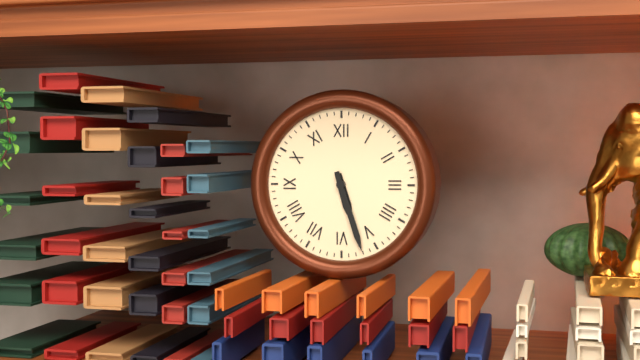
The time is h=5 m=27
